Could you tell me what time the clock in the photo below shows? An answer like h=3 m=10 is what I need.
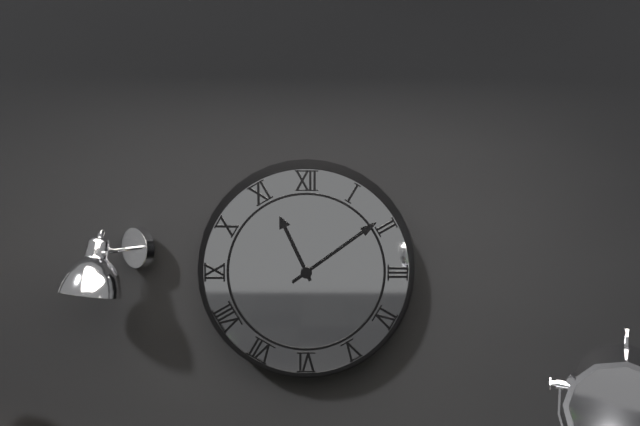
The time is h=11 m=9
